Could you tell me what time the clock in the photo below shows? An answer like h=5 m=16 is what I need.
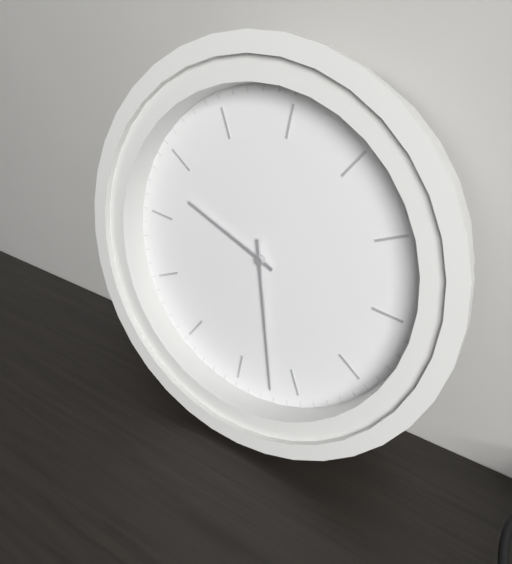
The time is h=10 m=32
